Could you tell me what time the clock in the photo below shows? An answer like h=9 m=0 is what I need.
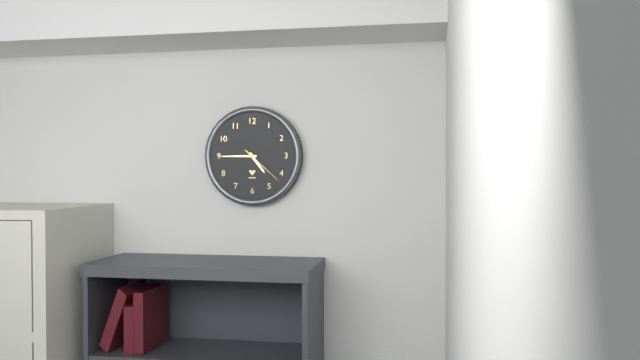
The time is h=4 m=45
